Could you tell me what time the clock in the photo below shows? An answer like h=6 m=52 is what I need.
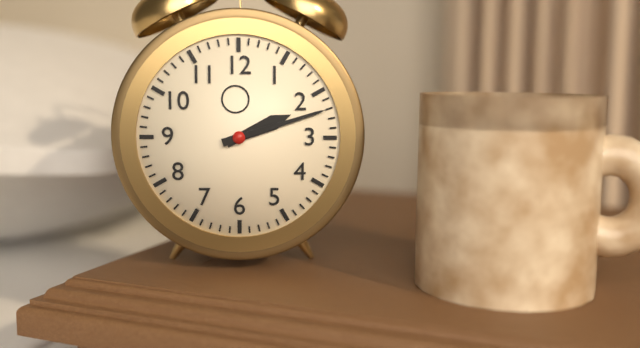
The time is h=2 m=12
